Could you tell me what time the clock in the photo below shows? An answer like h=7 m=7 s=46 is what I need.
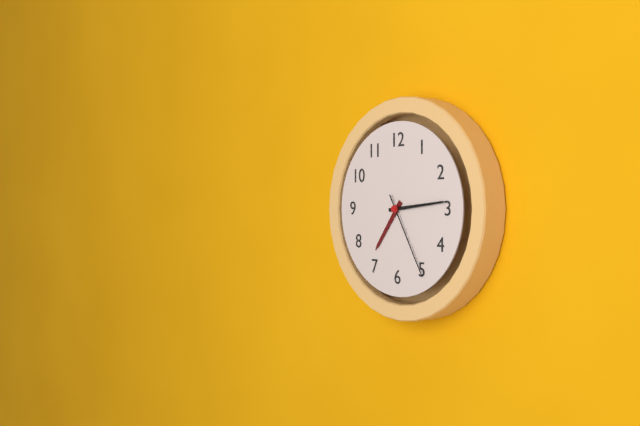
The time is h=7 m=14 s=25
